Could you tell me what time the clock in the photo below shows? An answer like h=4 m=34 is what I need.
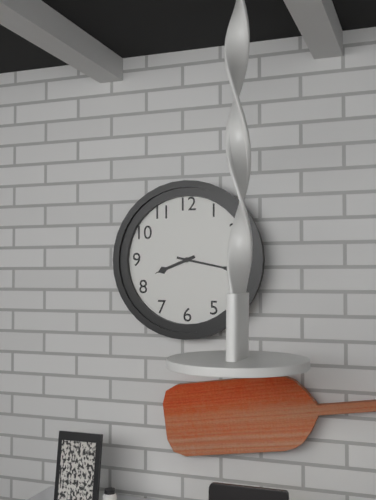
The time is h=8 m=17
